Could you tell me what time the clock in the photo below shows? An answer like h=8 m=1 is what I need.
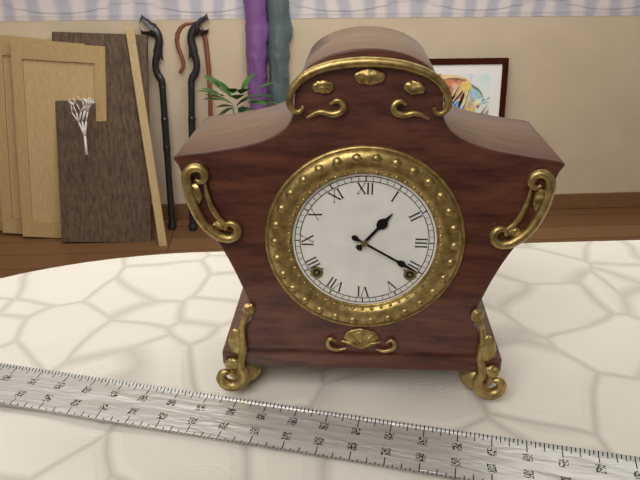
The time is h=1 m=20
